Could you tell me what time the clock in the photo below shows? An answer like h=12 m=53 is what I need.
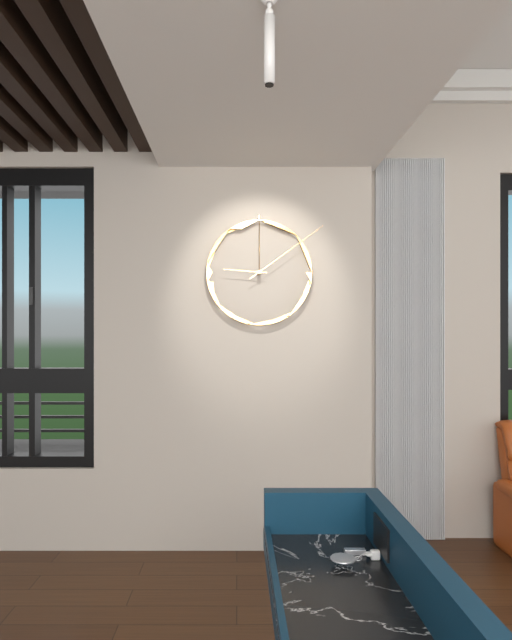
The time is h=9 m=9
